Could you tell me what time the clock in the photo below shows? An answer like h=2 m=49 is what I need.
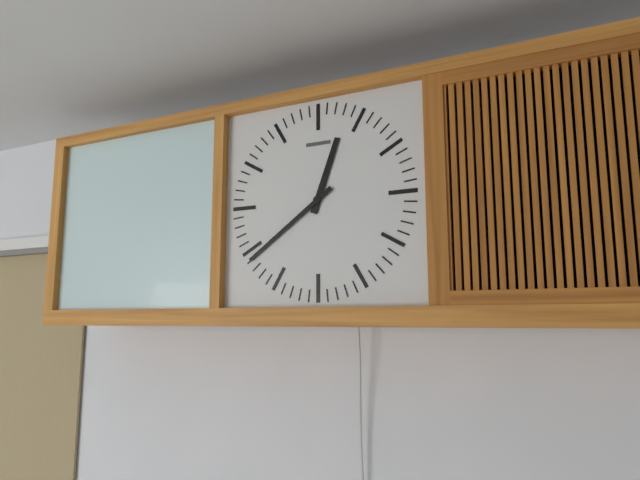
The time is h=12 m=39
